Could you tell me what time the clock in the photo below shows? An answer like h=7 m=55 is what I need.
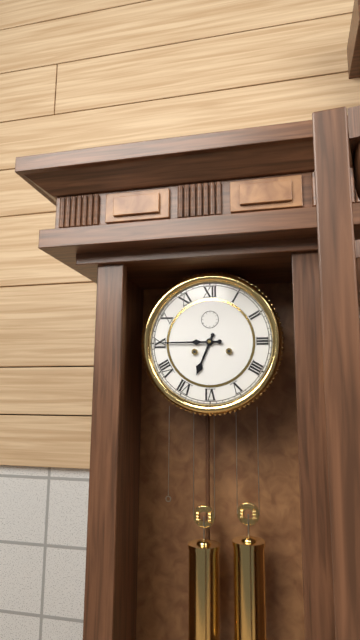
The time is h=6 m=45
